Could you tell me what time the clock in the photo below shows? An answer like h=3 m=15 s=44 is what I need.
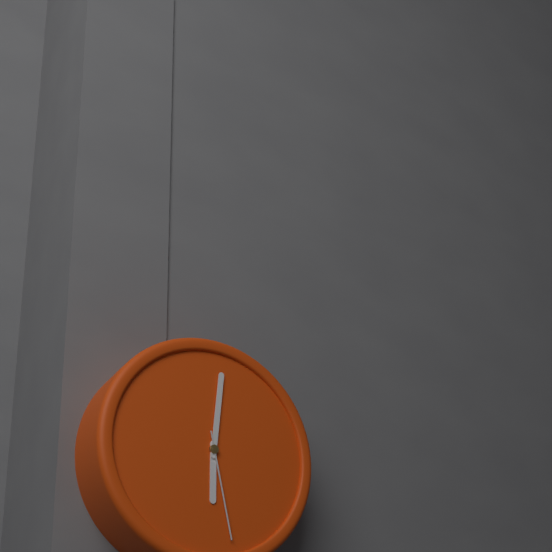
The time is h=6 m=1 s=28
